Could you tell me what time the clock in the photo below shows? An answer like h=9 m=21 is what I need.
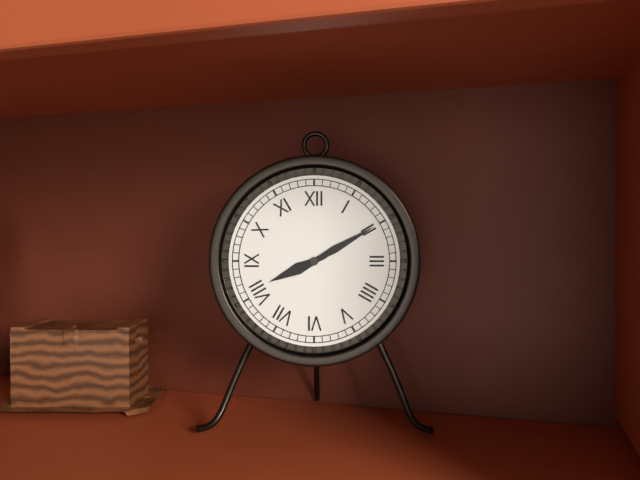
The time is h=8 m=10
